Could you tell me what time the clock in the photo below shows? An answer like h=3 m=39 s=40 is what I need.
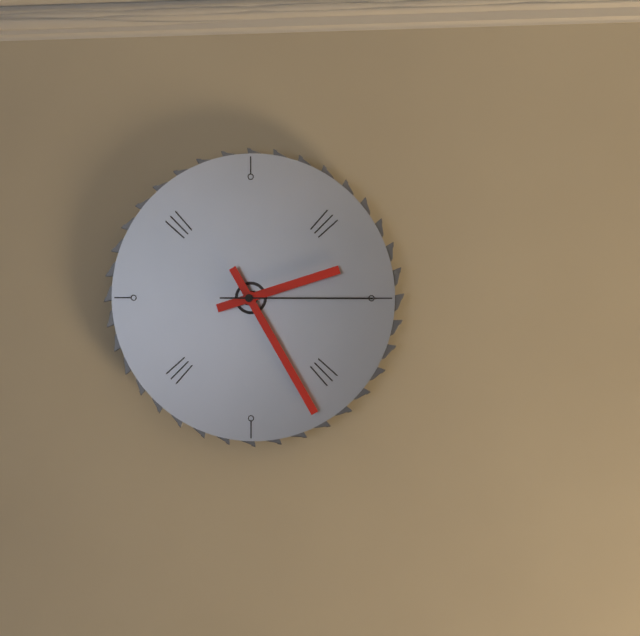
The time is h=2 m=25 s=15
